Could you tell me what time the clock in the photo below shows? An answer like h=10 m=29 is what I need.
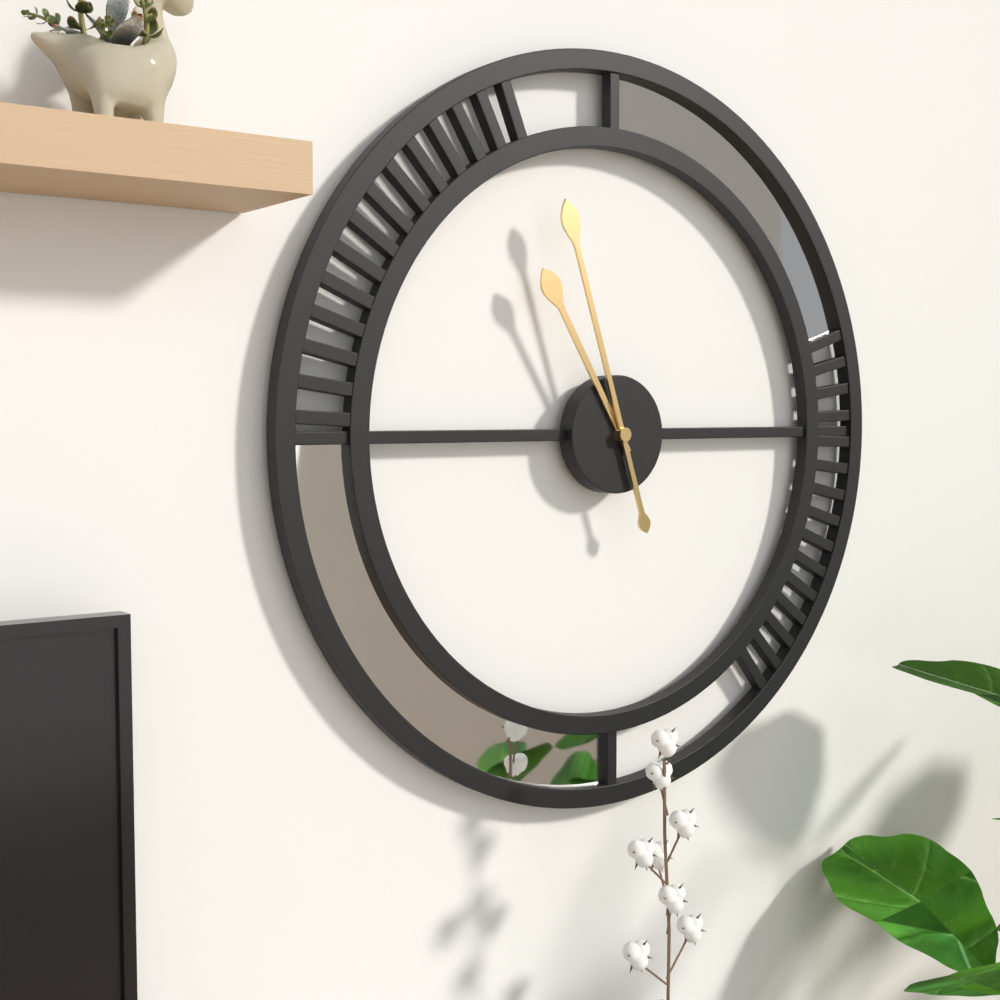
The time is h=10 m=57
